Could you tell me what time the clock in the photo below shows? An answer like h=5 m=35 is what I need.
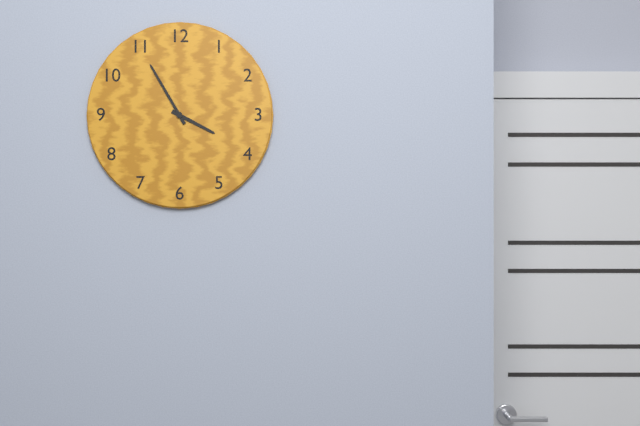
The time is h=3 m=55
